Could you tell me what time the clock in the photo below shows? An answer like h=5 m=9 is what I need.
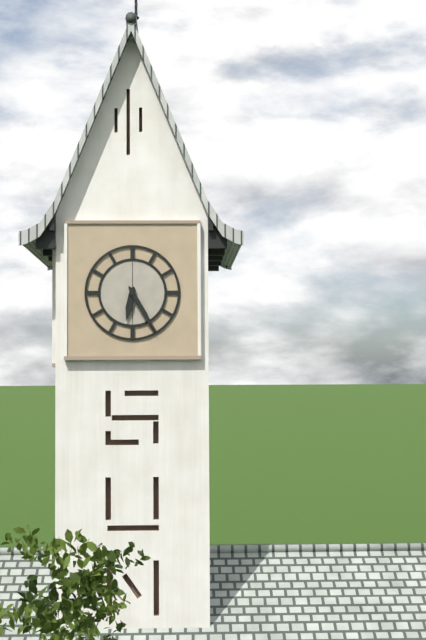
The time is h=6 m=25
